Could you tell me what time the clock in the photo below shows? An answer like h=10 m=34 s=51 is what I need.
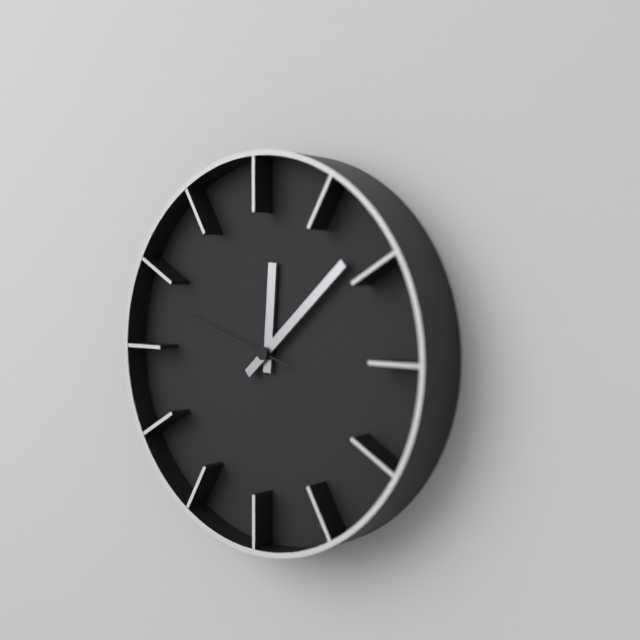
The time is h=12 m=8 s=48
